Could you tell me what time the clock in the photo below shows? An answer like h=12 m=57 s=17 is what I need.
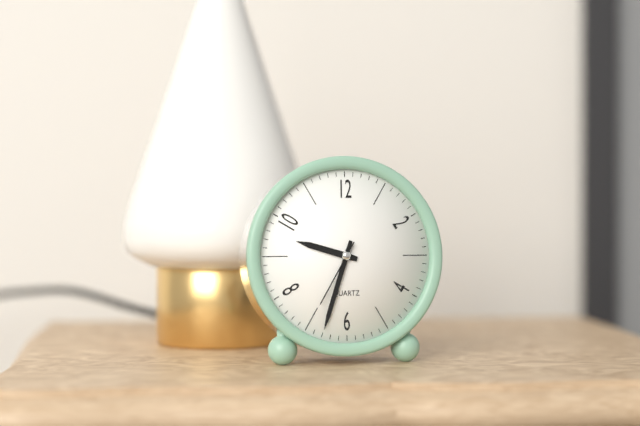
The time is h=9 m=33 s=35
